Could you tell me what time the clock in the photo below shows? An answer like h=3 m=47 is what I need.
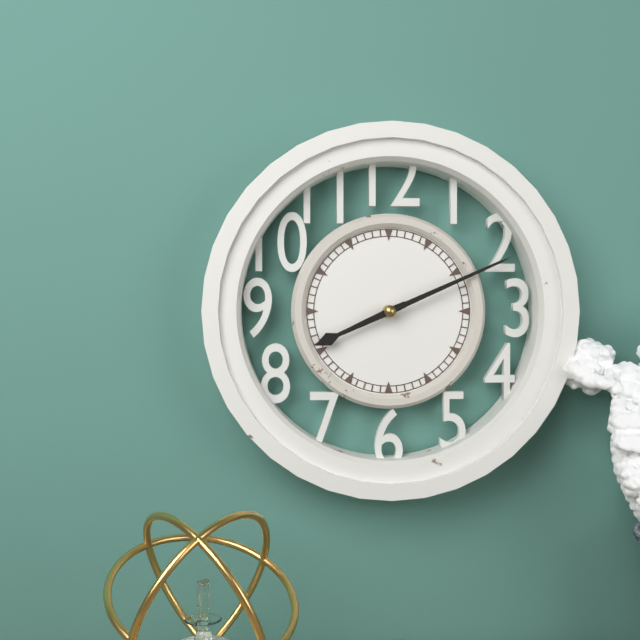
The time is h=8 m=11
